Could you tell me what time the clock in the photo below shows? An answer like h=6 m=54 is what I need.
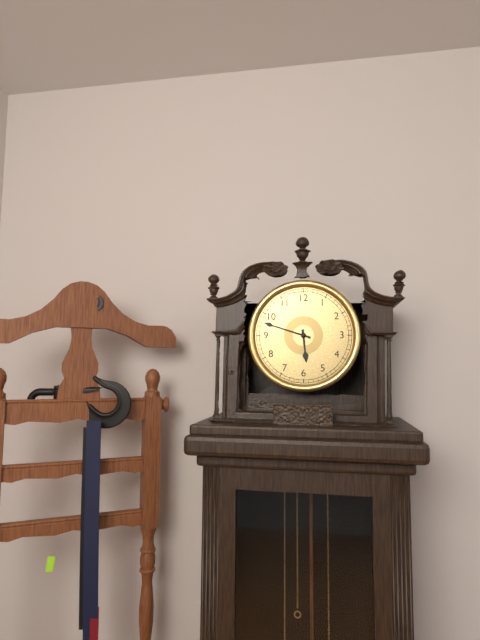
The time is h=5 m=48
